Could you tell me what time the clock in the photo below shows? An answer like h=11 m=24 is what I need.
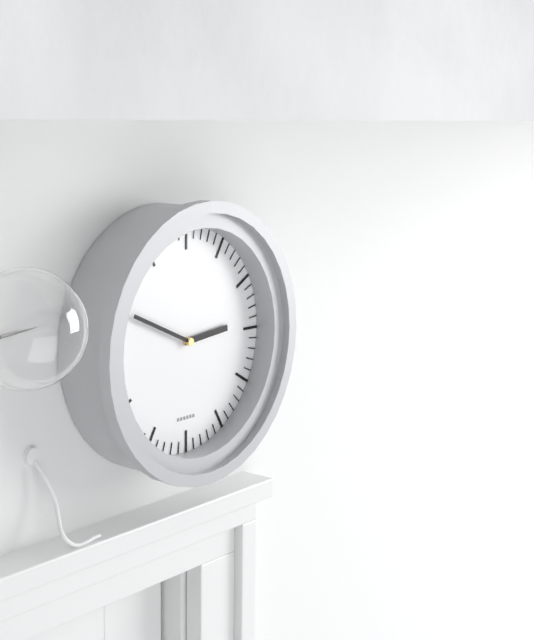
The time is h=2 m=49
